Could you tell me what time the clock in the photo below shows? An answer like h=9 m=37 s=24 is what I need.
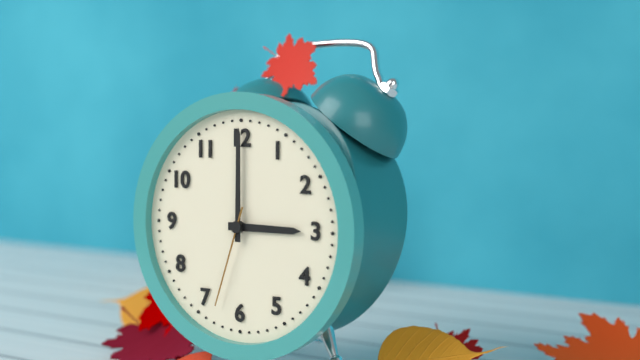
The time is h=3 m=0 s=33
